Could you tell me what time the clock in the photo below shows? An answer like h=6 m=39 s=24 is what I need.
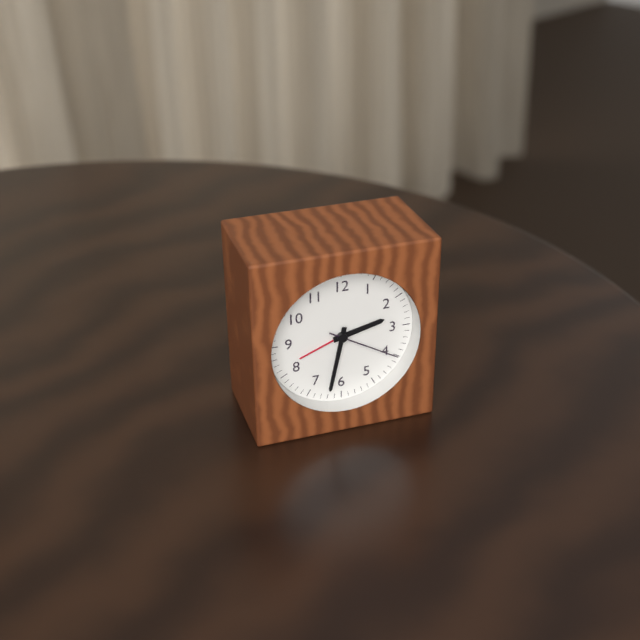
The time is h=2 m=32 s=20
